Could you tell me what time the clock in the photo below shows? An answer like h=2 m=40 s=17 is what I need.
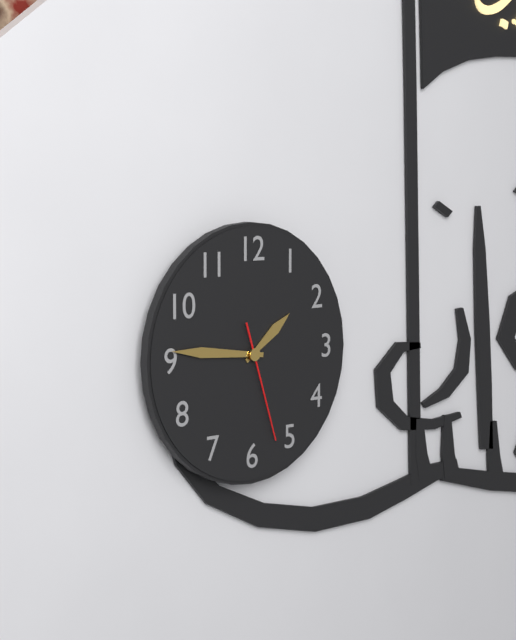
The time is h=1 m=46 s=27
